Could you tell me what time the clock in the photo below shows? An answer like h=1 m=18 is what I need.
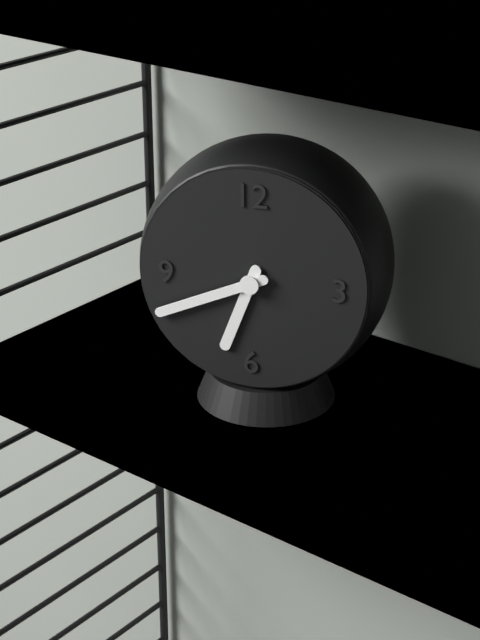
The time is h=6 m=41
